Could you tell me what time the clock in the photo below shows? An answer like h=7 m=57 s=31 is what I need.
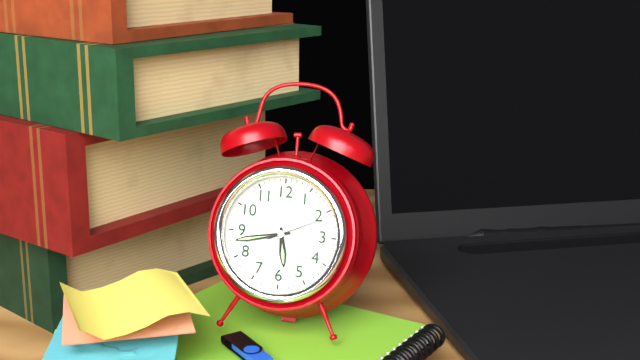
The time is h=5 m=43 s=11
